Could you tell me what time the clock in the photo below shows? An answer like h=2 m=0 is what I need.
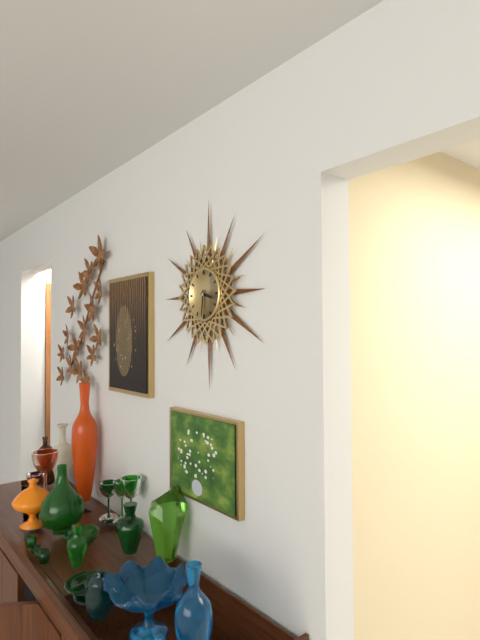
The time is h=3 m=31
